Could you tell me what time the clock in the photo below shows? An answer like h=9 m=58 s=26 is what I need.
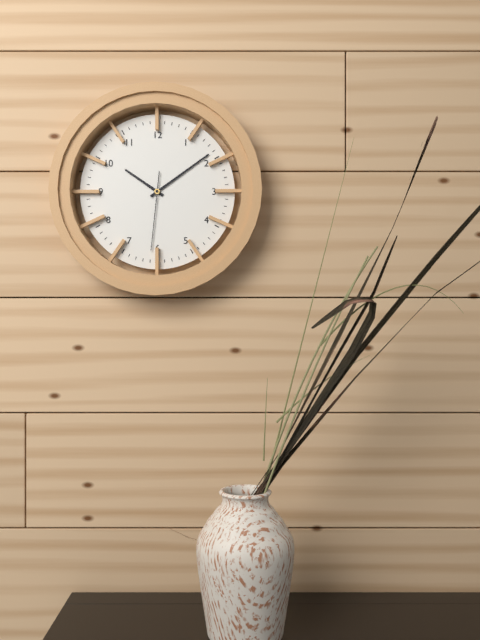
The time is h=10 m=9 s=31
